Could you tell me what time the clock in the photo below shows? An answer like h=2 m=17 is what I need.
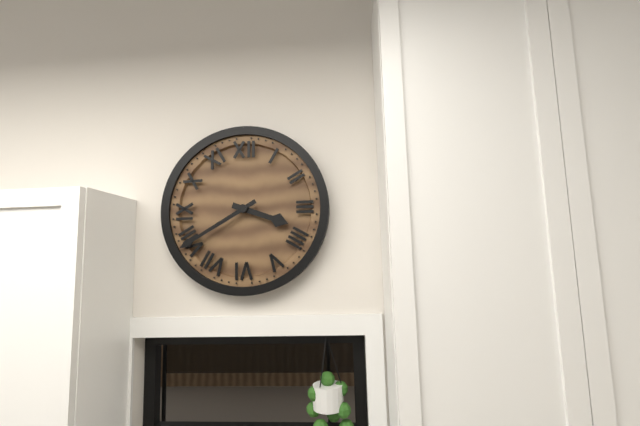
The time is h=3 m=40
